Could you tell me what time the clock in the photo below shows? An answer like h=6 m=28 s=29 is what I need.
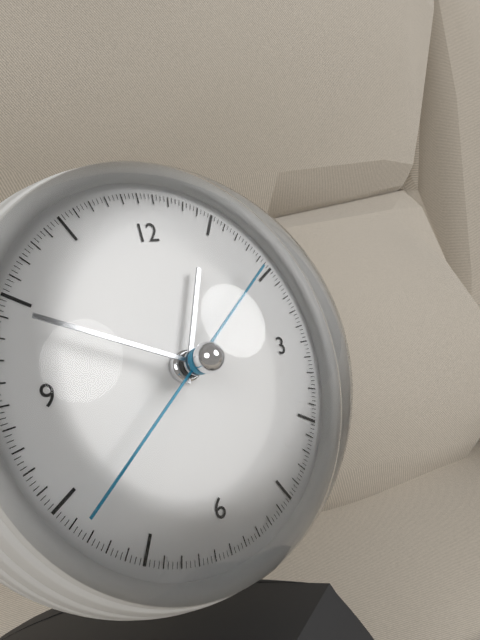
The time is h=12 m=49 s=39
